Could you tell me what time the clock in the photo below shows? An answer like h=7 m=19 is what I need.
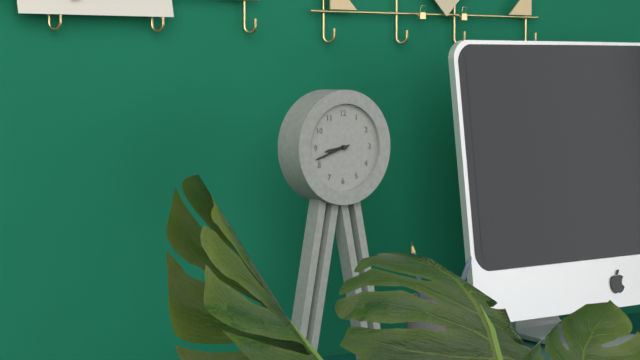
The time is h=8 m=42
